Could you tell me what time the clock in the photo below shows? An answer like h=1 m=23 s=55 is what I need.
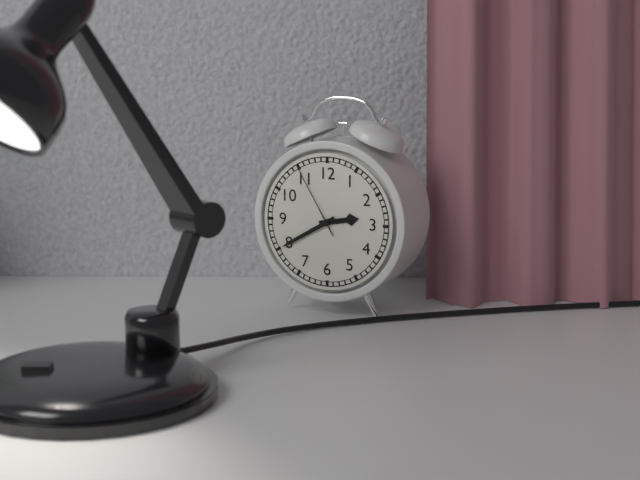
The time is h=2 m=40 s=55
